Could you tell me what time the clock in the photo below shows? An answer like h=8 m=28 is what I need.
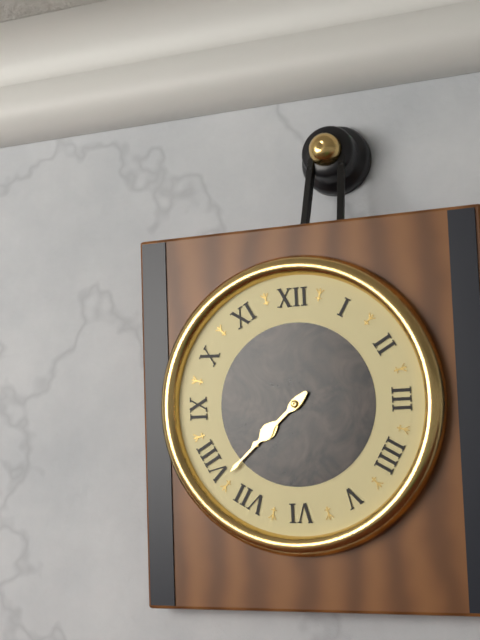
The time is h=7 m=38
